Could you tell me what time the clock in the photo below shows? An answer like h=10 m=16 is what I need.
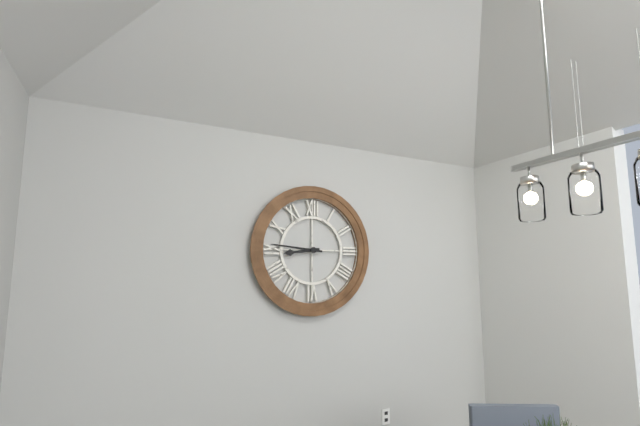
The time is h=8 m=46
